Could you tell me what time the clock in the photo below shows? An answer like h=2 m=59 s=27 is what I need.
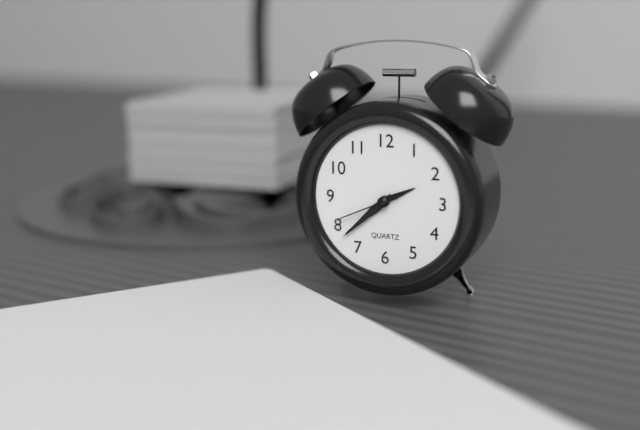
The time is h=7 m=38 s=41
